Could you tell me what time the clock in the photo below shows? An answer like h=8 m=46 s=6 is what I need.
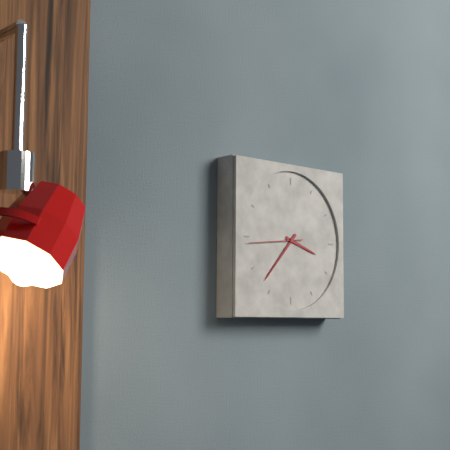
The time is h=3 m=37 s=44
